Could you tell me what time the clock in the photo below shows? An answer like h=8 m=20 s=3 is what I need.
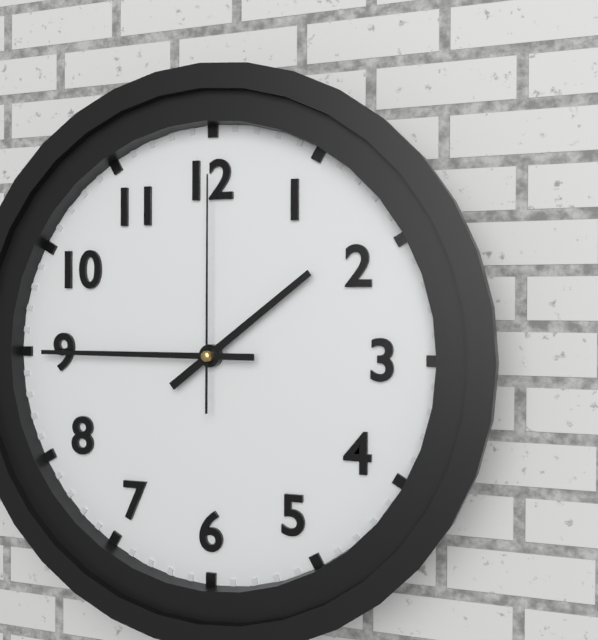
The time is h=1 m=45 s=0
